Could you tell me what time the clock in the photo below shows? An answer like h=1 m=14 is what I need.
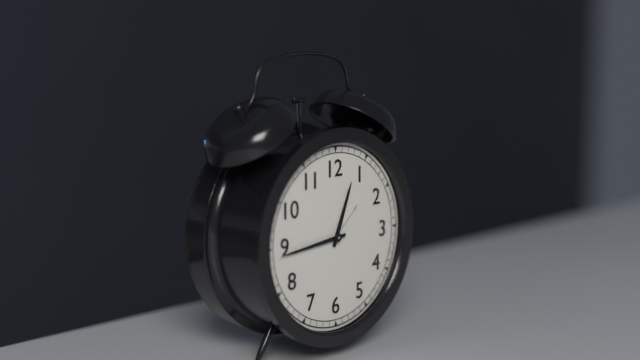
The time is h=12 m=44
